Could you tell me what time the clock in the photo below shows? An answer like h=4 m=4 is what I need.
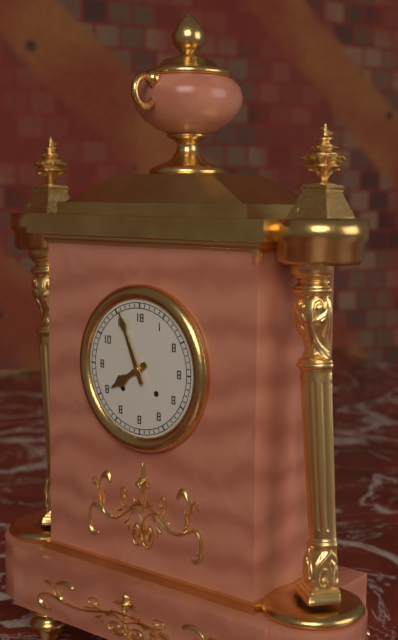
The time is h=7 m=56
